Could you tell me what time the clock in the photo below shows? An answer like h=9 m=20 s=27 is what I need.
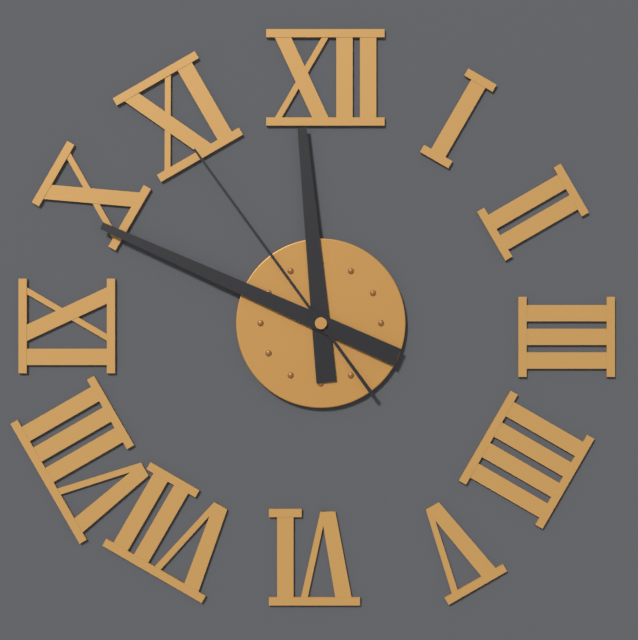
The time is h=11 m=49 s=54
